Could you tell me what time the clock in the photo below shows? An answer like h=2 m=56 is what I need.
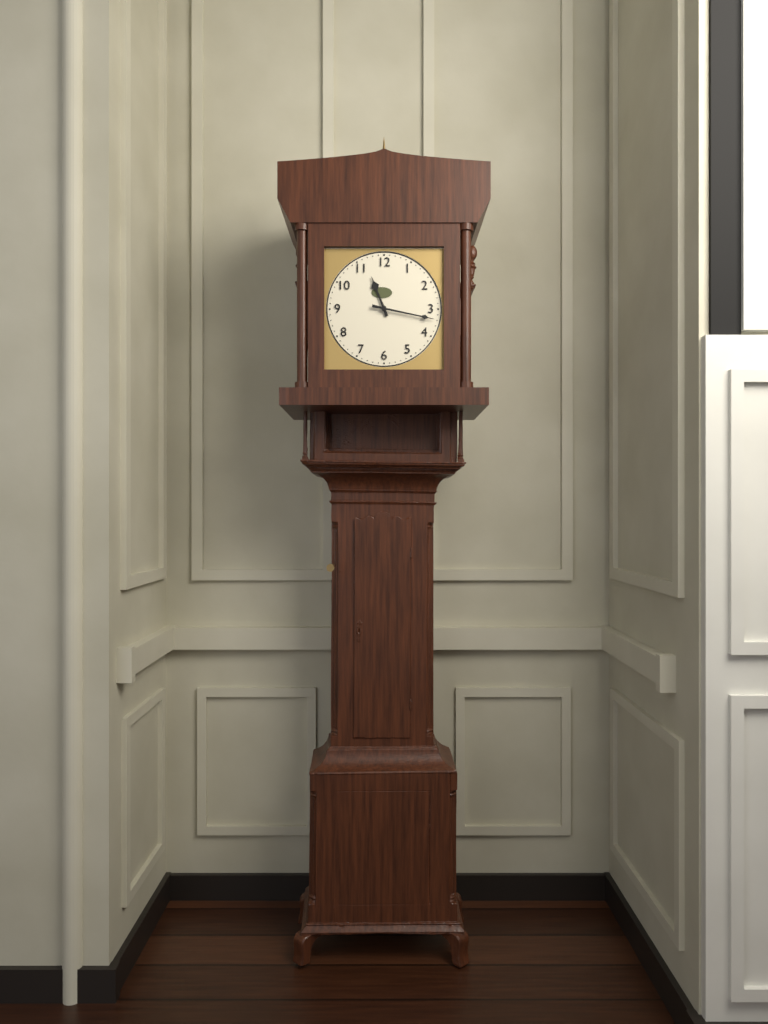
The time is h=11 m=17
